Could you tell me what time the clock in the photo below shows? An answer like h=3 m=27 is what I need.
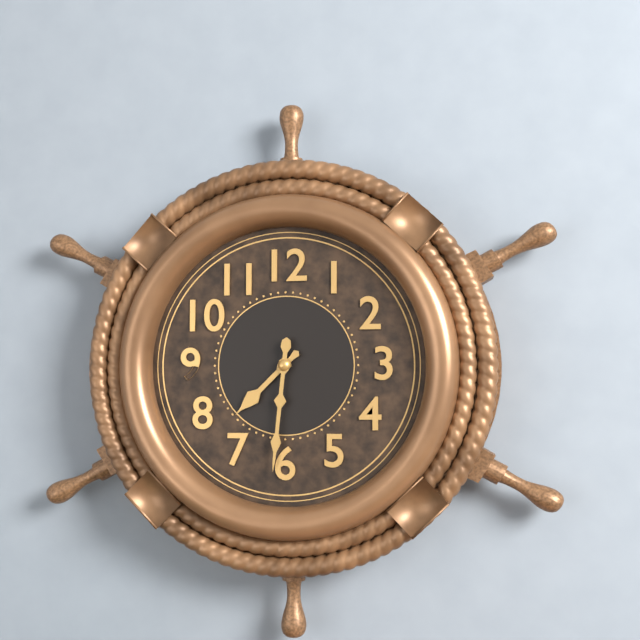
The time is h=7 m=31
